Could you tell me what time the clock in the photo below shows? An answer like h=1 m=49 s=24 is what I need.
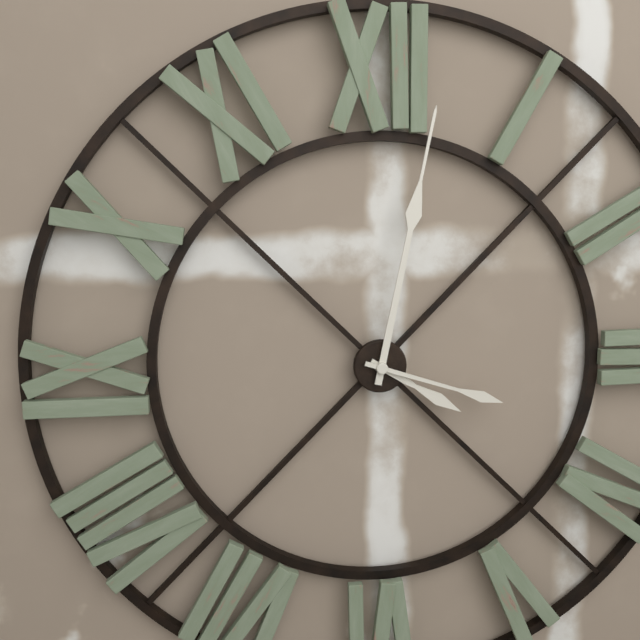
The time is h=4 m=2 s=18
